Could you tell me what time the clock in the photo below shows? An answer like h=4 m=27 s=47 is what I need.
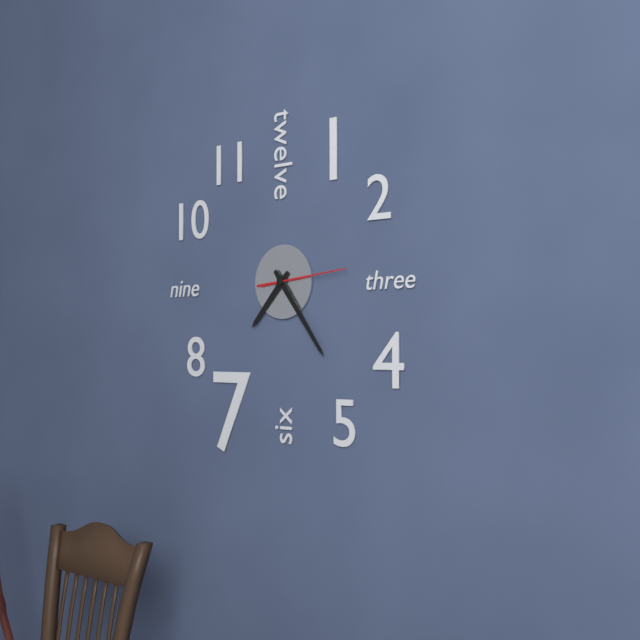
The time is h=7 m=24 s=14
